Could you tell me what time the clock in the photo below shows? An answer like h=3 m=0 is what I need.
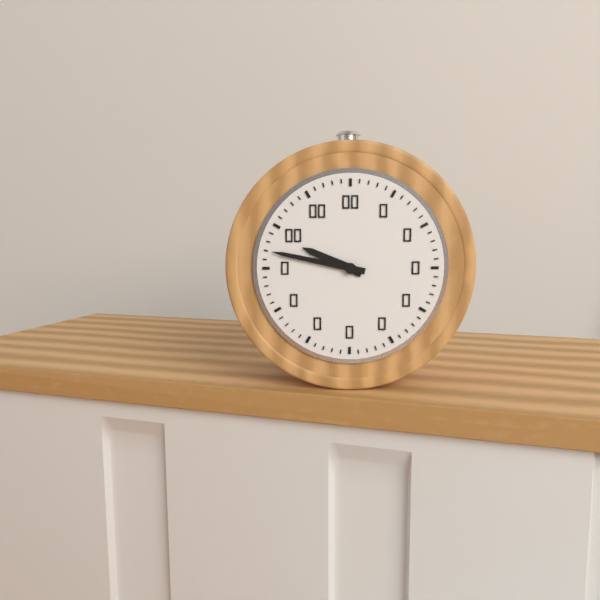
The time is h=9 m=47
